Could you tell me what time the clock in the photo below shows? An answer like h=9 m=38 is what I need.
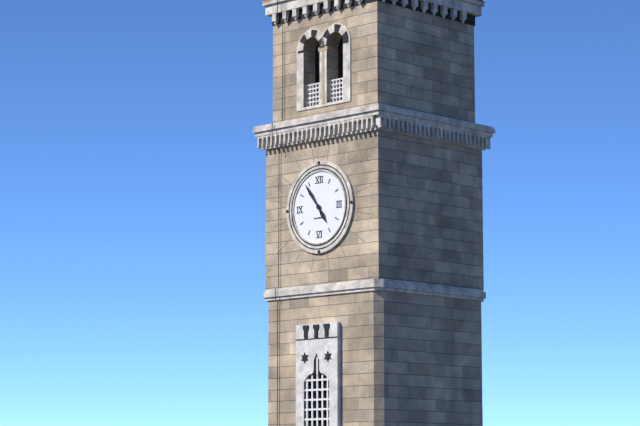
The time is h=4 m=54
